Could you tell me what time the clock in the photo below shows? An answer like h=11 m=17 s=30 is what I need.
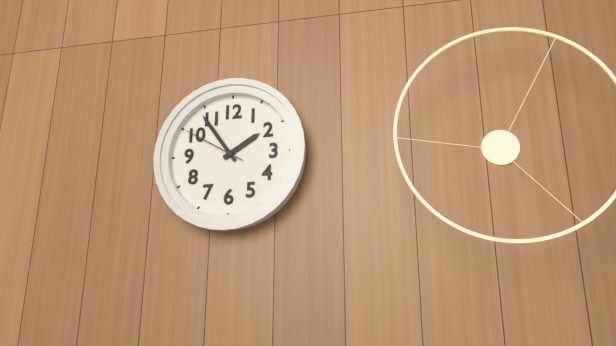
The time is h=1 m=54 s=50
